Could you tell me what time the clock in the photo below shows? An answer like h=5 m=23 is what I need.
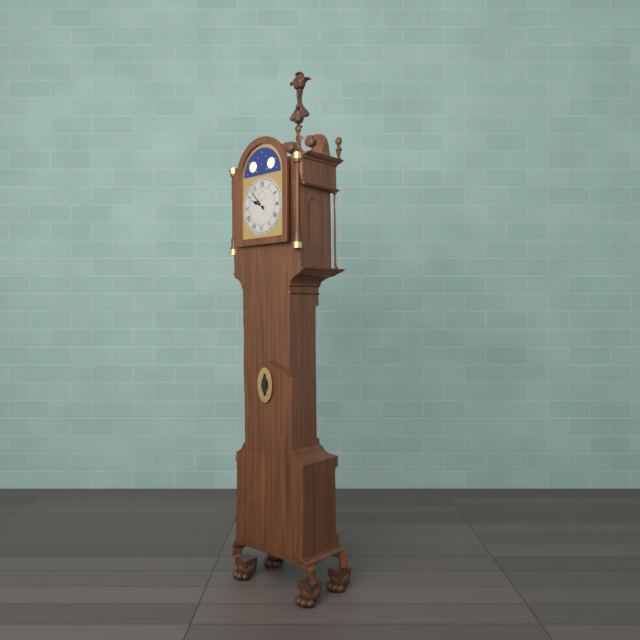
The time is h=9 m=53
